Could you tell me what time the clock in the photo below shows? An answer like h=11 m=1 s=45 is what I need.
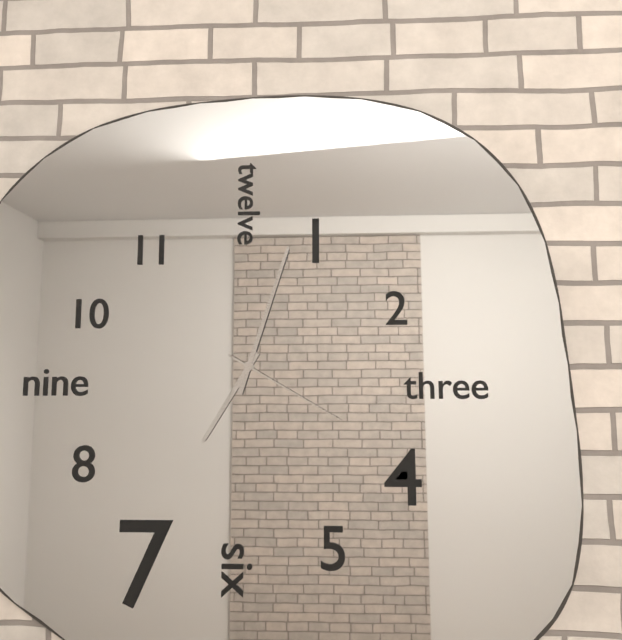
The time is h=7 m=3 s=20
